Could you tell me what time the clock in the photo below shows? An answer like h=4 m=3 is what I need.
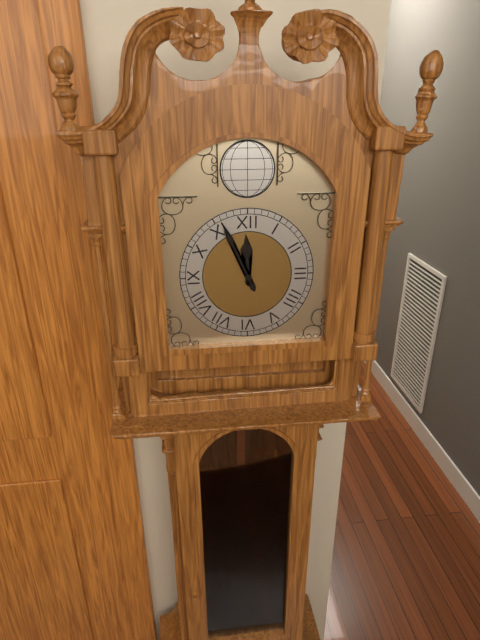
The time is h=11 m=56
